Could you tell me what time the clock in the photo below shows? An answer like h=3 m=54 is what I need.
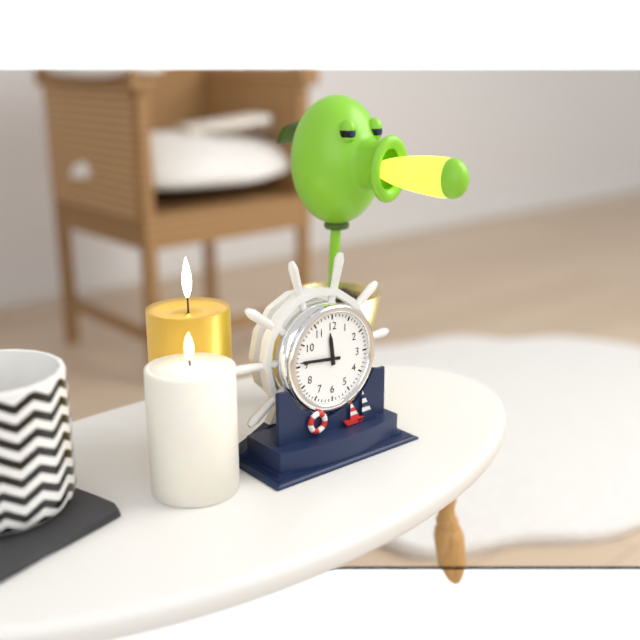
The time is h=11 m=46
